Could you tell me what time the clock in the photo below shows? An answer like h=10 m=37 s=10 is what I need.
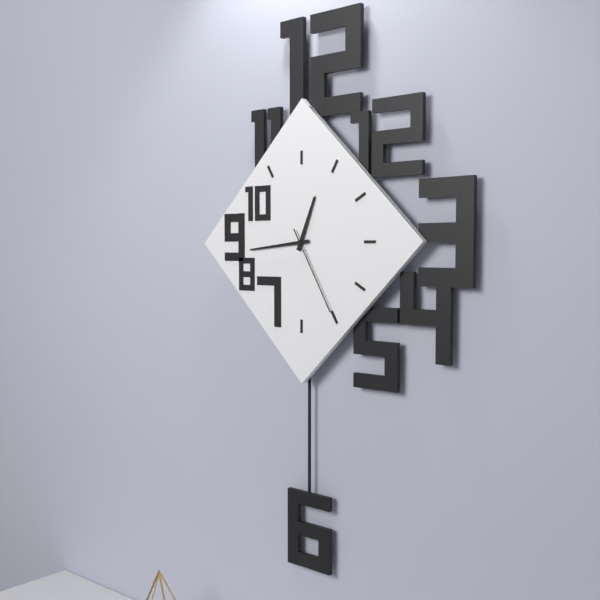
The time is h=12 m=44 s=25
